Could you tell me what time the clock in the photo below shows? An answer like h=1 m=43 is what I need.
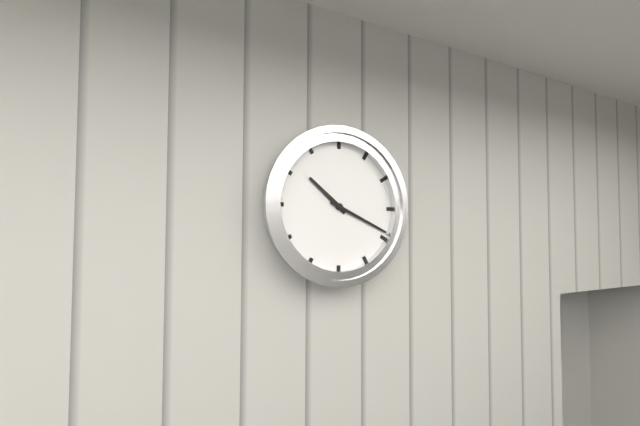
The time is h=10 m=19
